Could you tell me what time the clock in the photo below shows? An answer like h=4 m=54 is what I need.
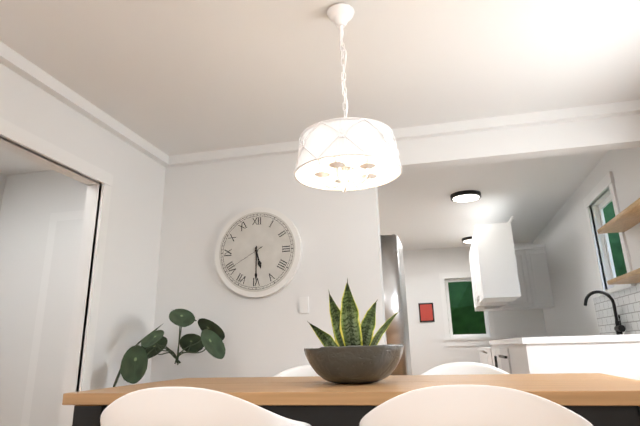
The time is h=5 m=30
